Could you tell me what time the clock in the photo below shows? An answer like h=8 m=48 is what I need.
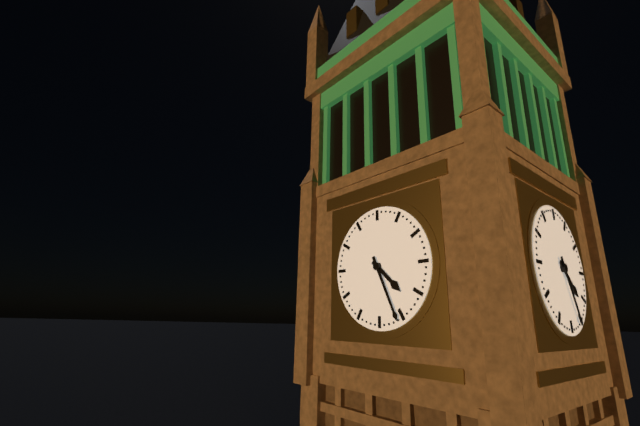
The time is h=4 m=26
